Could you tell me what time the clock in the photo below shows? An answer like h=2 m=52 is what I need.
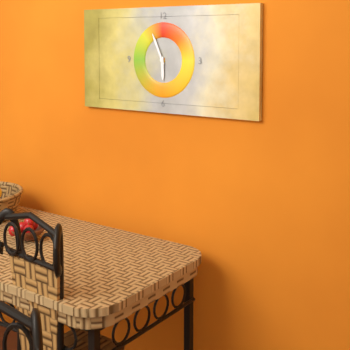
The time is h=5 m=56
